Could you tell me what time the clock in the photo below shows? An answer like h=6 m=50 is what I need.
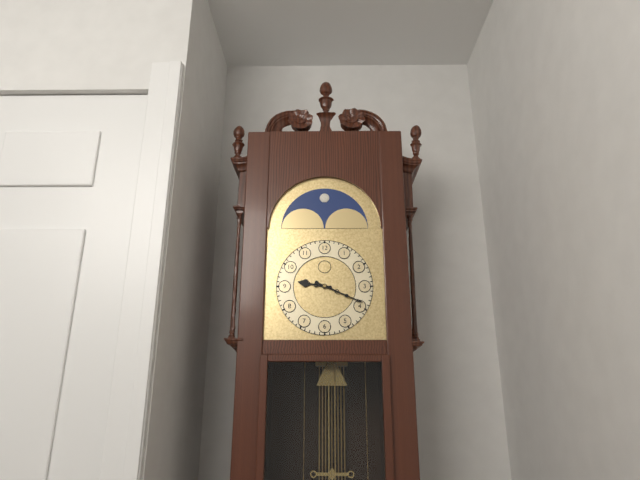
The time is h=9 m=19
